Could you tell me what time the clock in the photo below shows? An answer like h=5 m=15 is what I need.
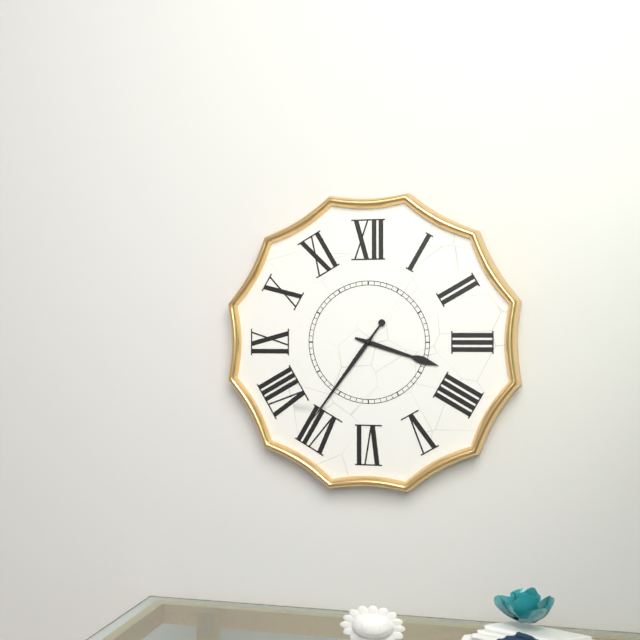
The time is h=3 m=36
